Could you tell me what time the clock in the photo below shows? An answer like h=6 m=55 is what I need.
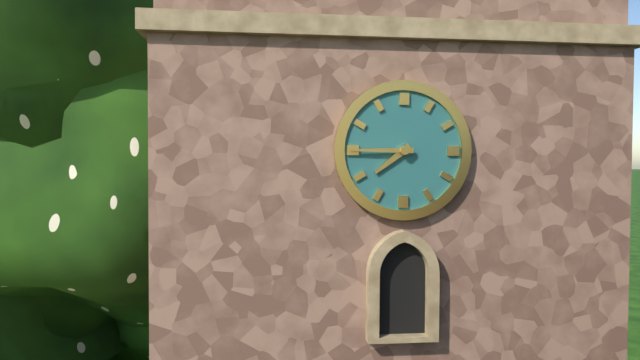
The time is h=7 m=45
